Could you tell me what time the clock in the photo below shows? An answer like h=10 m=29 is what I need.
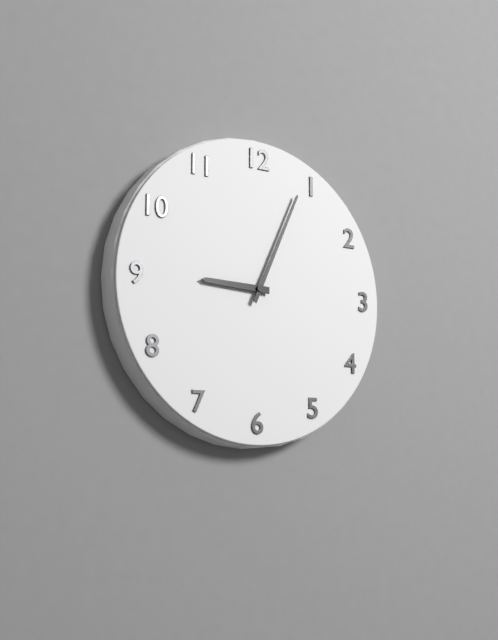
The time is h=9 m=4
